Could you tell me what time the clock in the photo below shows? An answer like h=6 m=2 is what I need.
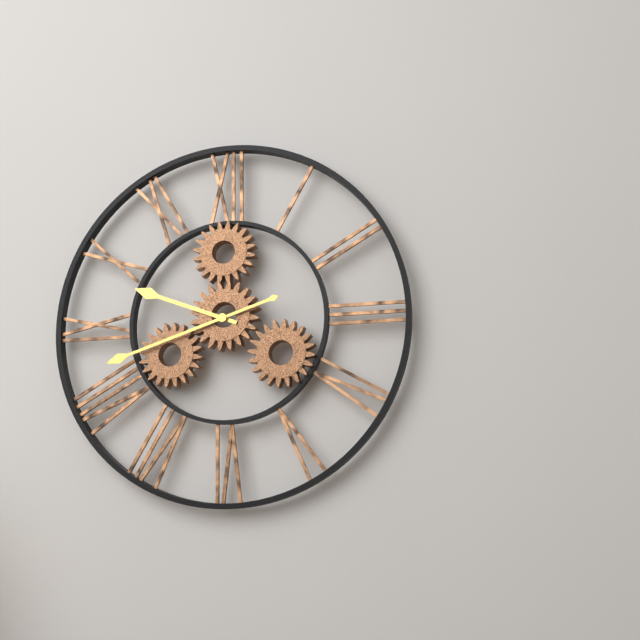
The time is h=9 m=42
